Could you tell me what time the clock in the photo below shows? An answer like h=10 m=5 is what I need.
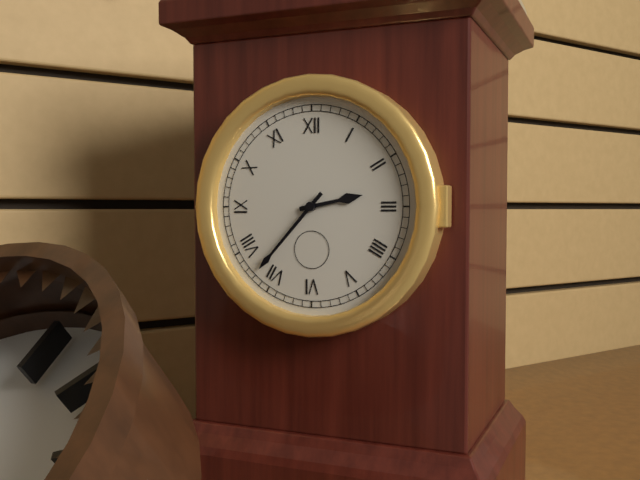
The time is h=2 m=37
